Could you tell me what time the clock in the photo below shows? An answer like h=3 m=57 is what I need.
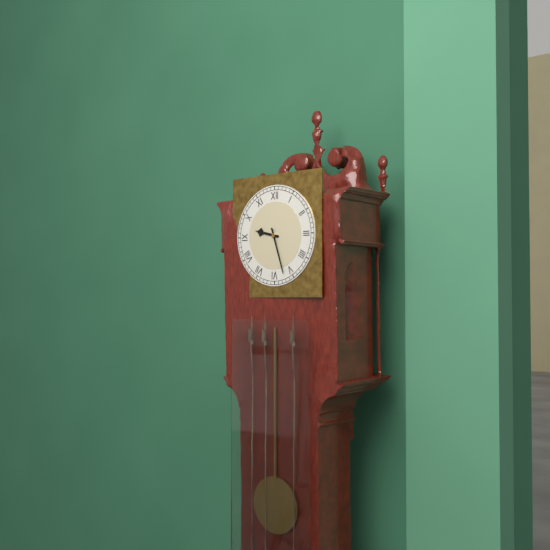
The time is h=9 m=27
